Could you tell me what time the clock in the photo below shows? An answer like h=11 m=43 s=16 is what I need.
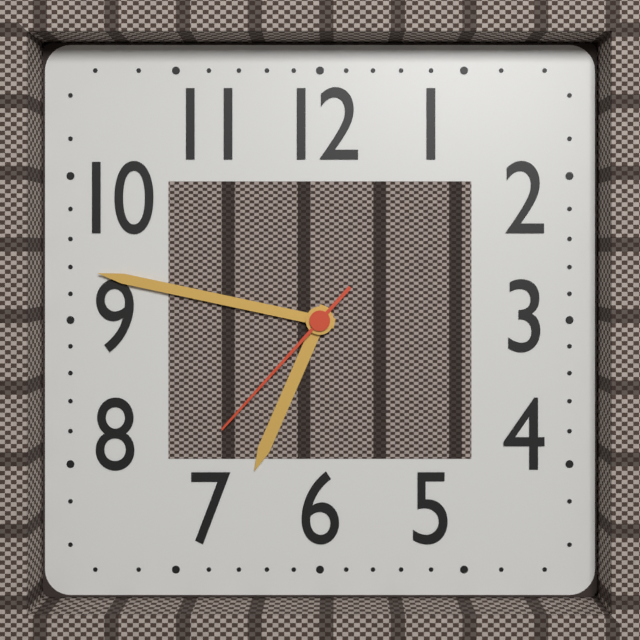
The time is h=6 m=47 s=37
